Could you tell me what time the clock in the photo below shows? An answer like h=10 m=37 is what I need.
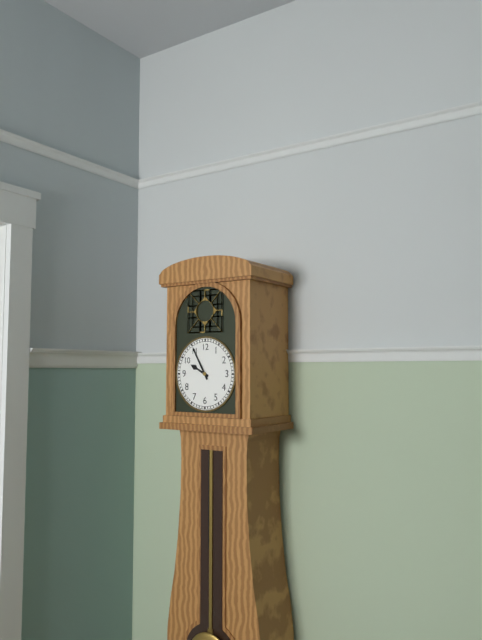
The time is h=9 m=55
